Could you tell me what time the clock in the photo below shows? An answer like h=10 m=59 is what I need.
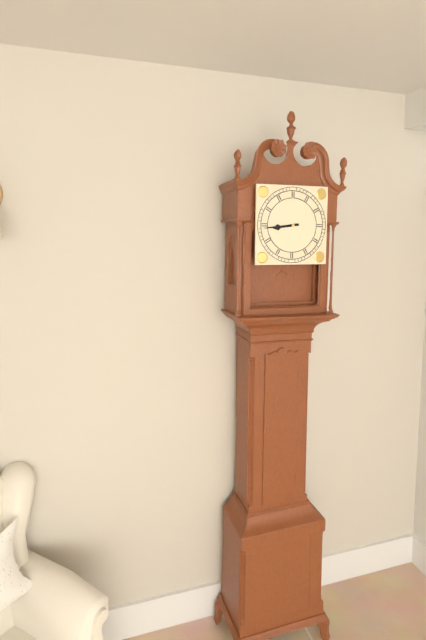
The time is h=8 m=44
